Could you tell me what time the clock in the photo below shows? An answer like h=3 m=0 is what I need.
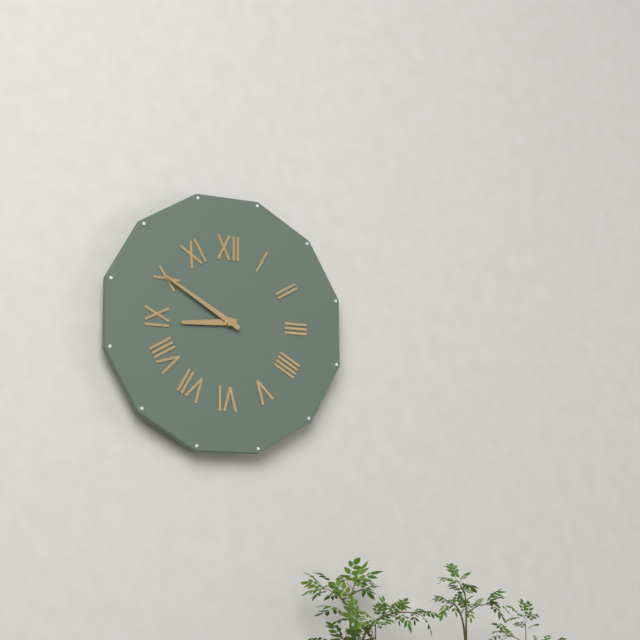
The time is h=8 m=50
